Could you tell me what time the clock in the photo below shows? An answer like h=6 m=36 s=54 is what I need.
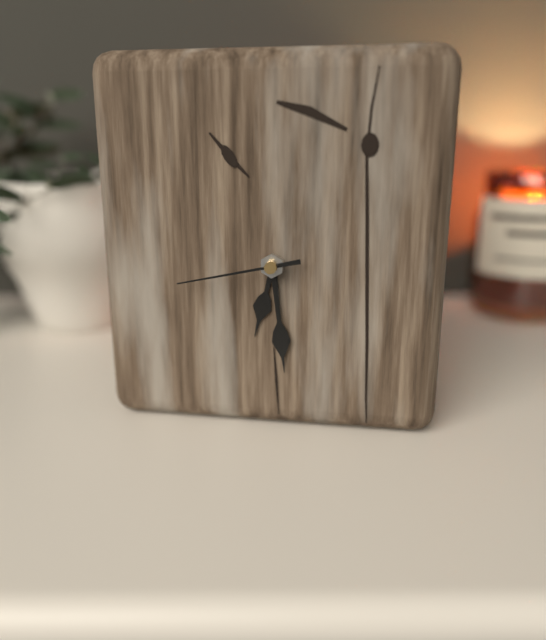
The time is h=6 m=29 s=43
